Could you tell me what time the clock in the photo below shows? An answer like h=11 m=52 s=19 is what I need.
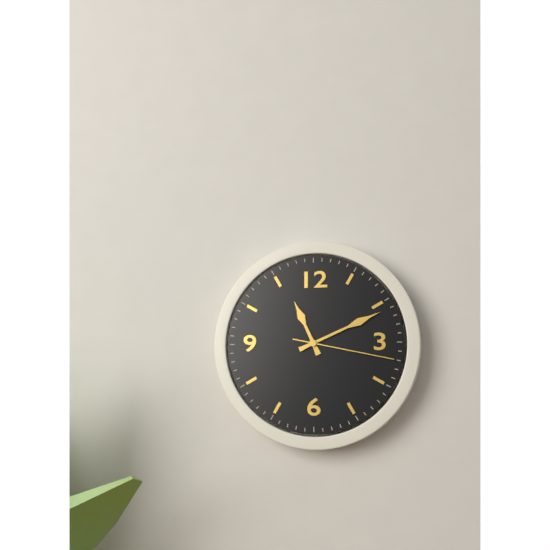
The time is h=11 m=11 s=17
